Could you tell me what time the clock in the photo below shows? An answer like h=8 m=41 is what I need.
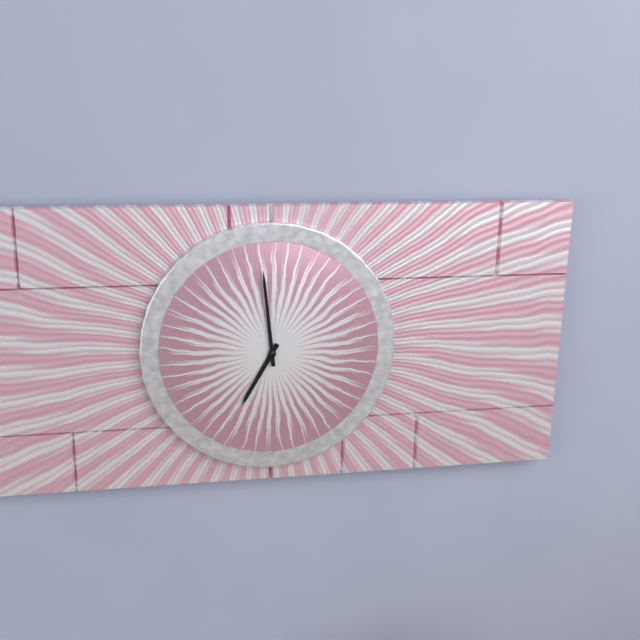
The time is h=6 m=59
